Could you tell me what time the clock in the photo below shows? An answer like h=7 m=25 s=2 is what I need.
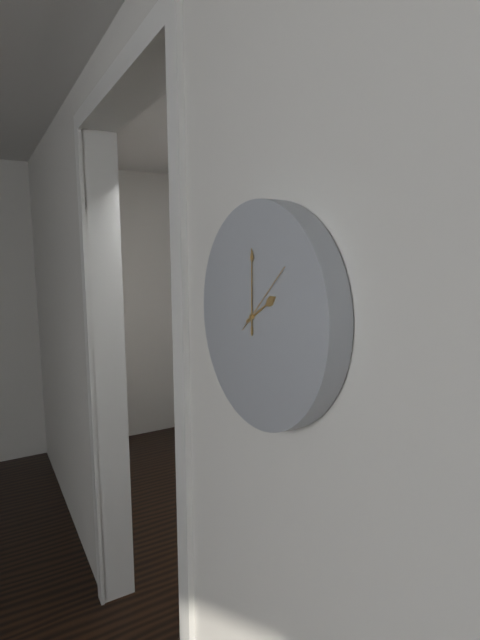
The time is h=2 m=0 s=8
